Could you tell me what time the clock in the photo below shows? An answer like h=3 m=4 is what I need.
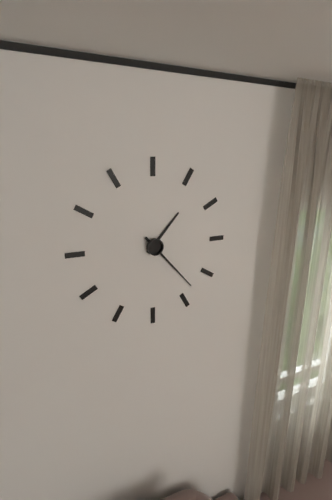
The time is h=1 m=23
